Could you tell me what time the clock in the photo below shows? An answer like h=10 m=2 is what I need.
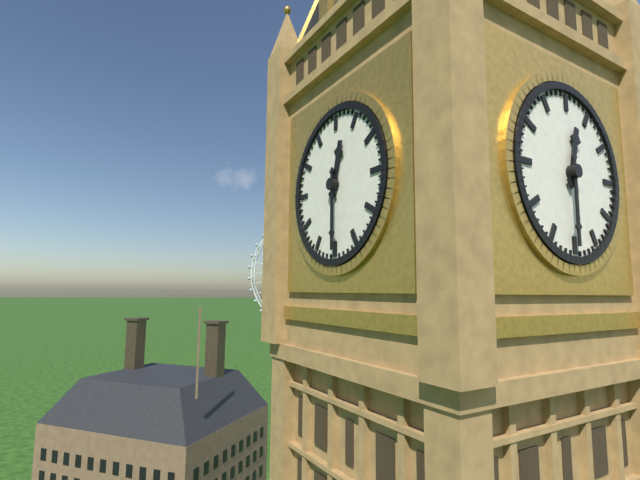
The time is h=12 m=30
